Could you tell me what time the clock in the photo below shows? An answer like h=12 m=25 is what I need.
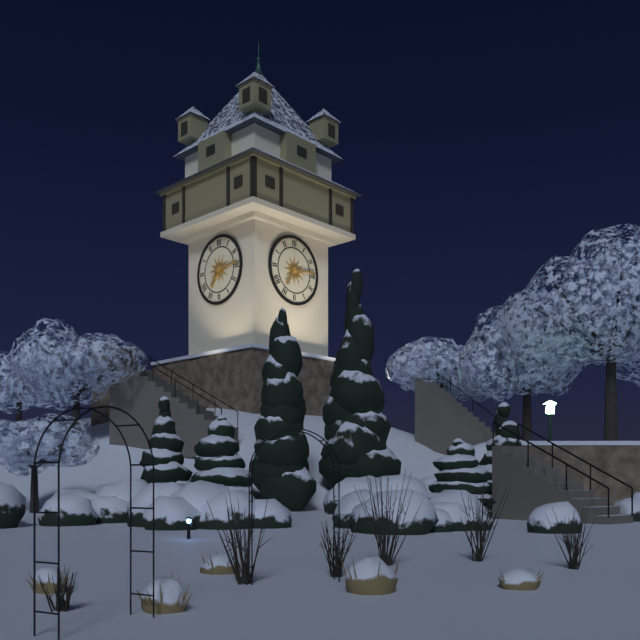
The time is h=7 m=14
